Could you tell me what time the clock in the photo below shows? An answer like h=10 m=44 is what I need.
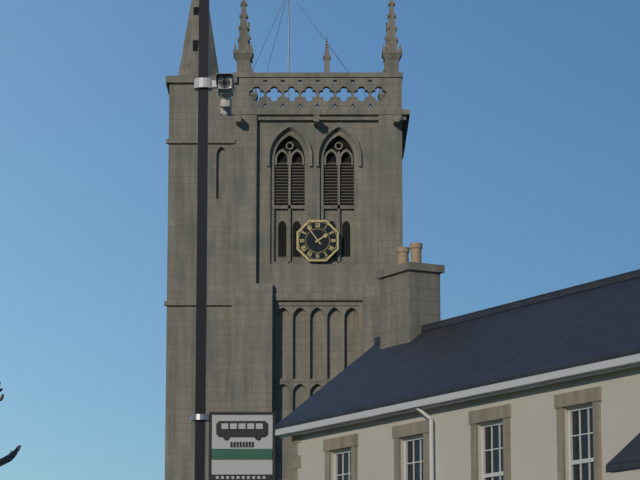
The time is h=1 m=54
